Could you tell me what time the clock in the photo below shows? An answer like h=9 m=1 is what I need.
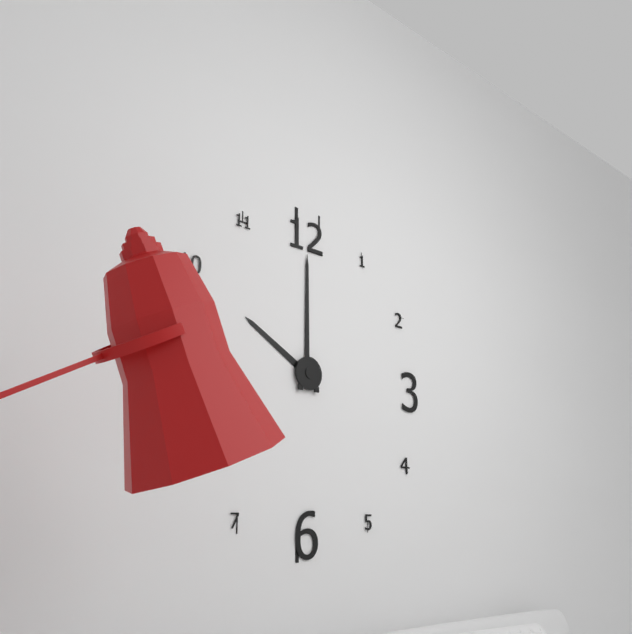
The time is h=10 m=0
